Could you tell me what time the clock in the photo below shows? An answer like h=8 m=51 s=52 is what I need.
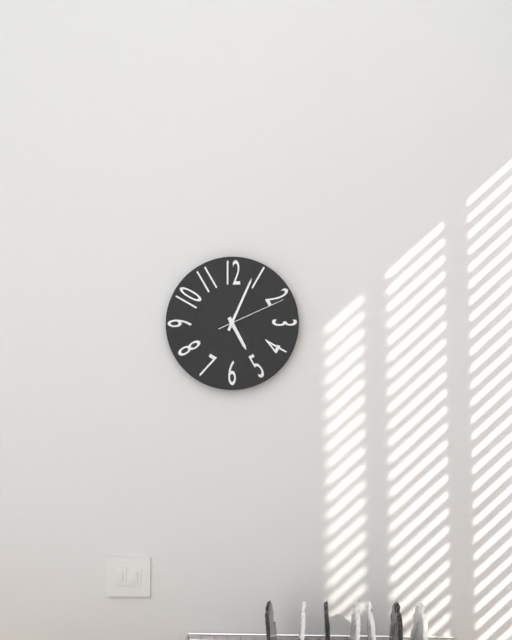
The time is h=5 m=4 s=11
